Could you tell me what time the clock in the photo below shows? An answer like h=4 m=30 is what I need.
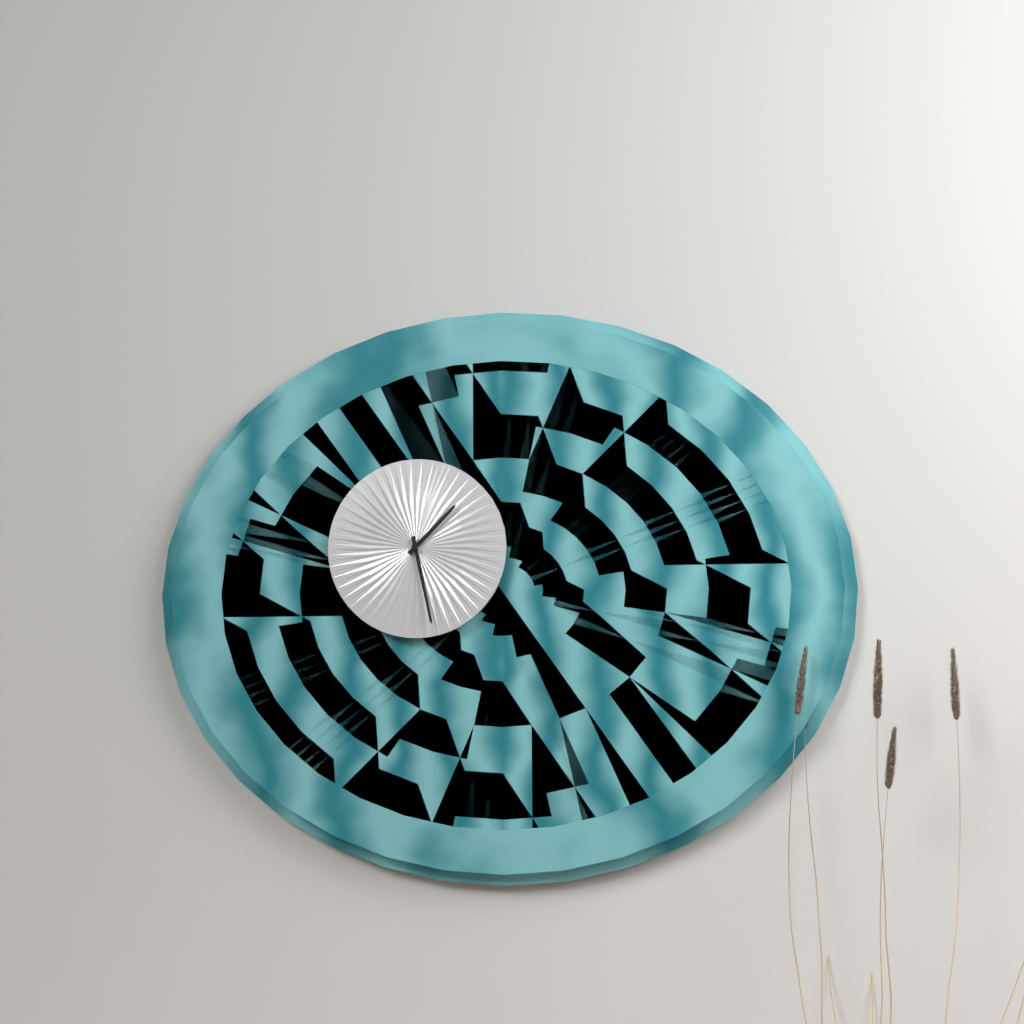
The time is h=1 m=28
